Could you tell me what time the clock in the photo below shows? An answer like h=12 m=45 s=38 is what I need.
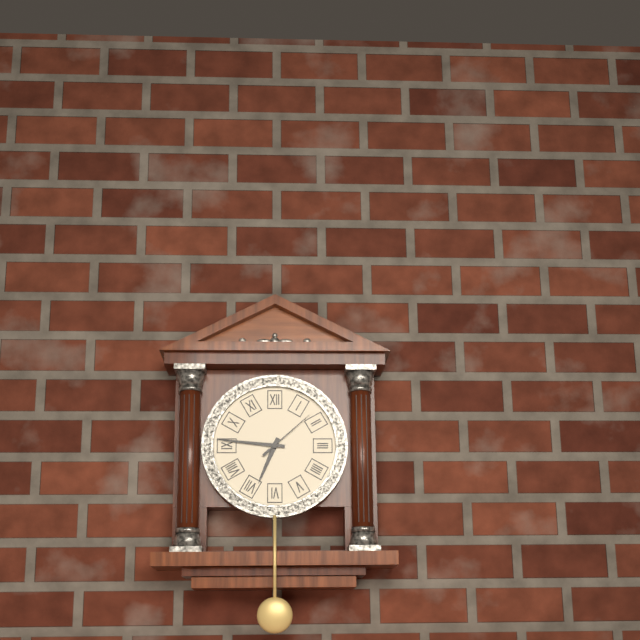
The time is h=6 m=46 s=8
